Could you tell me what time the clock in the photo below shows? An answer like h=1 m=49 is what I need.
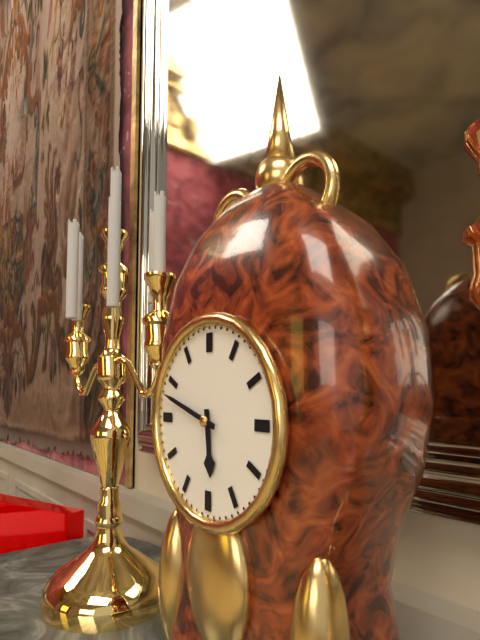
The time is h=5 m=48
